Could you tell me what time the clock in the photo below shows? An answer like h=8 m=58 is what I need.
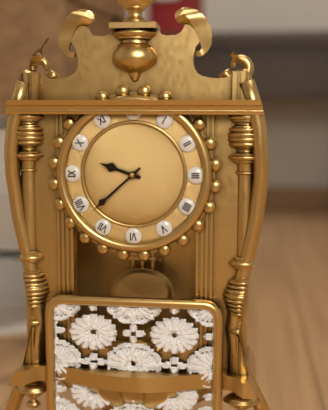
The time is h=9 m=38
